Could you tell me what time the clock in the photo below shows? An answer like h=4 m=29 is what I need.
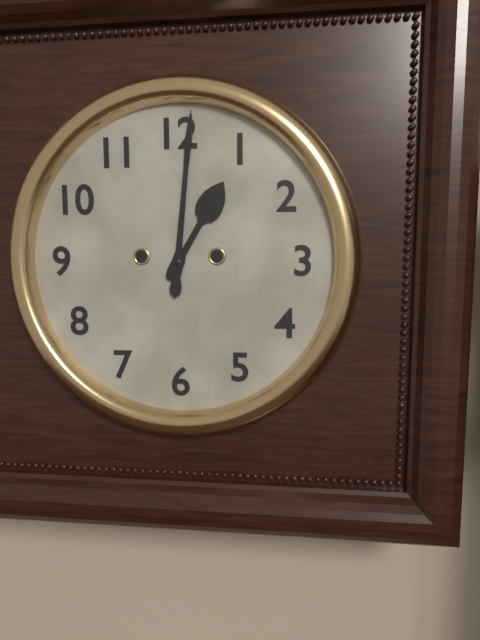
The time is h=1 m=1
